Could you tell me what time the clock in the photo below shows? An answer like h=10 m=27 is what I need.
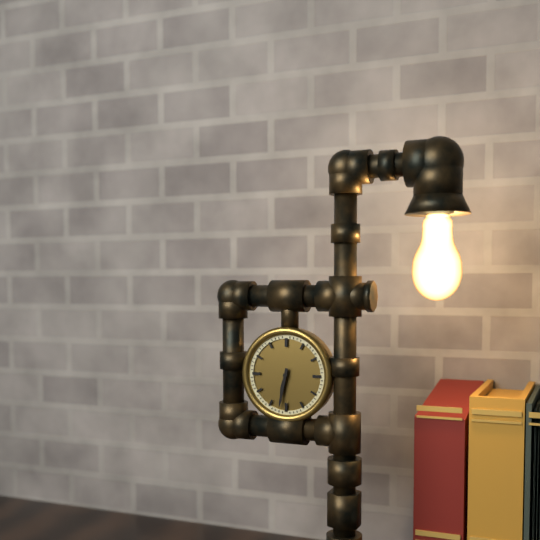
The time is h=6 m=32
